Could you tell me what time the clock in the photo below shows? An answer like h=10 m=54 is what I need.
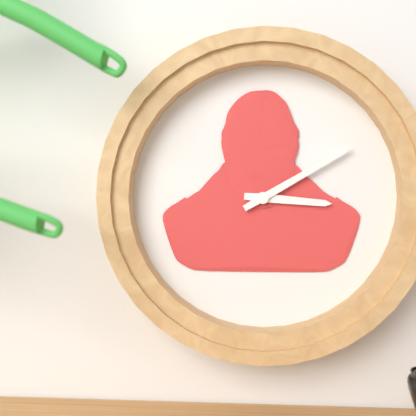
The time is h=3 m=10
